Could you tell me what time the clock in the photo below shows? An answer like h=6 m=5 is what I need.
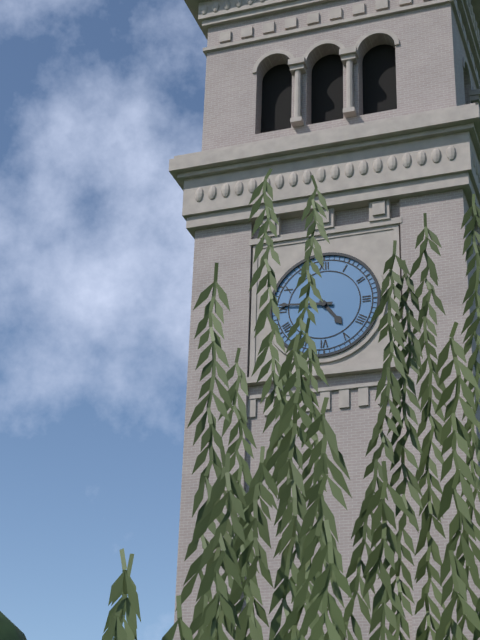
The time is h=4 m=46
